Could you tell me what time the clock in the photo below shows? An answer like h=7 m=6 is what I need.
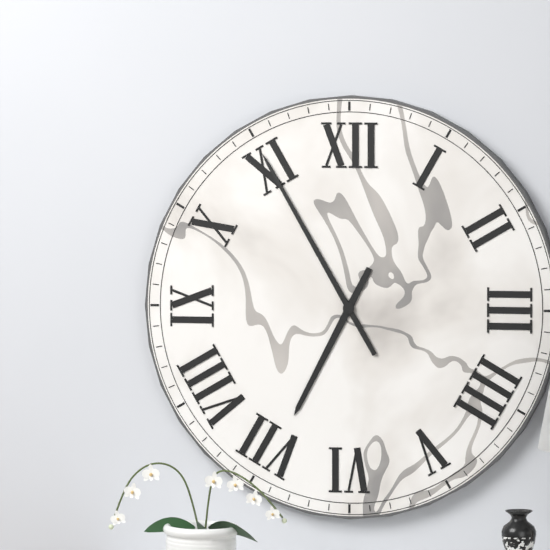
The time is h=6 m=55
